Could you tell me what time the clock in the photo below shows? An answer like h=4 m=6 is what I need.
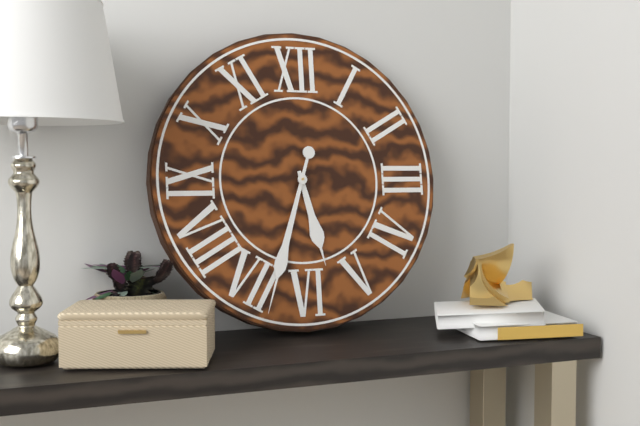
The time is h=5 m=33
